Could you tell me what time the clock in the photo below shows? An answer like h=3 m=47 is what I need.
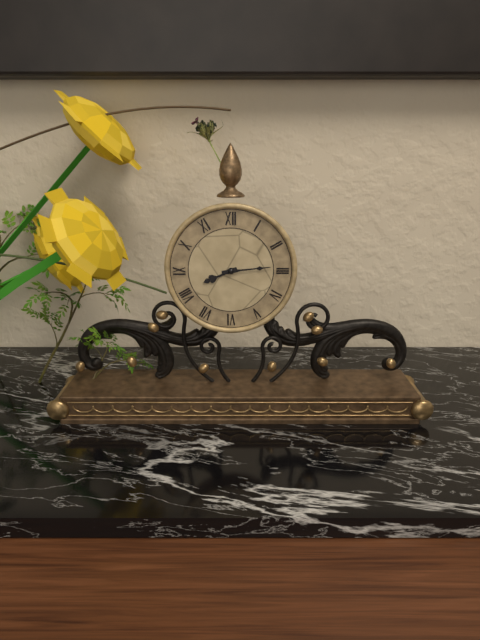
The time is h=8 m=14
